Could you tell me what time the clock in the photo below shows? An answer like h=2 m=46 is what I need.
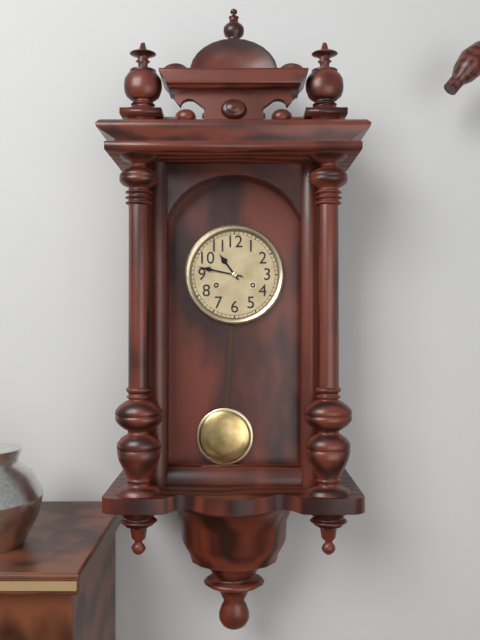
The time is h=10 m=47
